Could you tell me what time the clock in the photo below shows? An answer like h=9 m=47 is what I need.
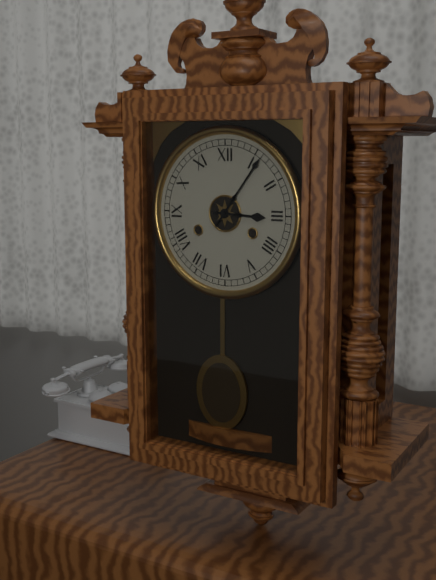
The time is h=3 m=6
